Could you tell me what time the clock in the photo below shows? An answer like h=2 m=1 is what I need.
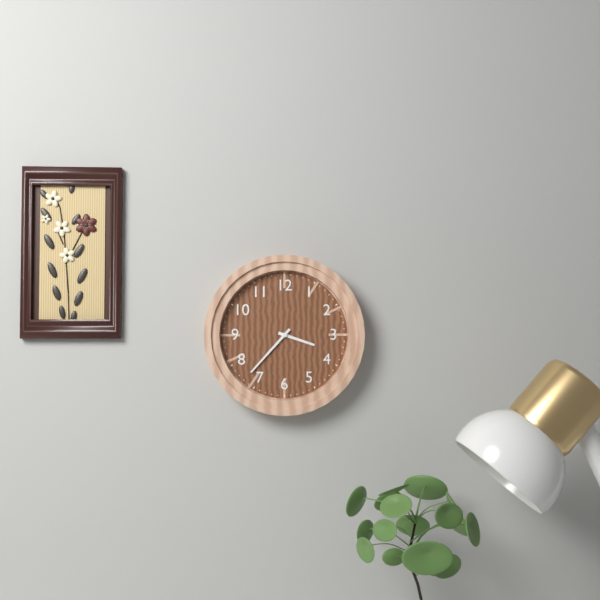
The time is h=3 m=37
